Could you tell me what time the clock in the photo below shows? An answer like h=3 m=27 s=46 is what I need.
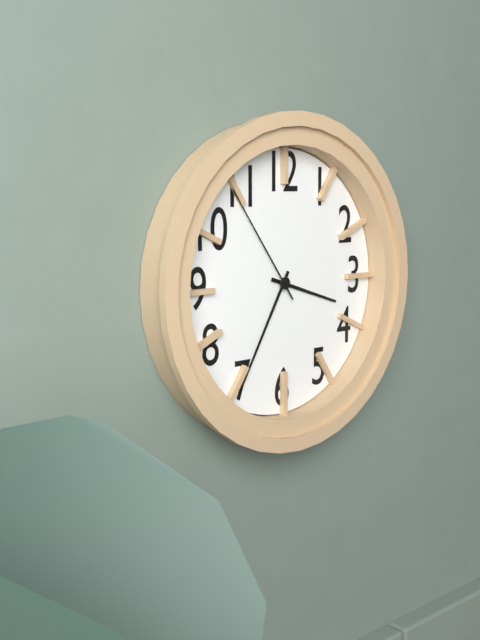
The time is h=3 m=35 s=54
